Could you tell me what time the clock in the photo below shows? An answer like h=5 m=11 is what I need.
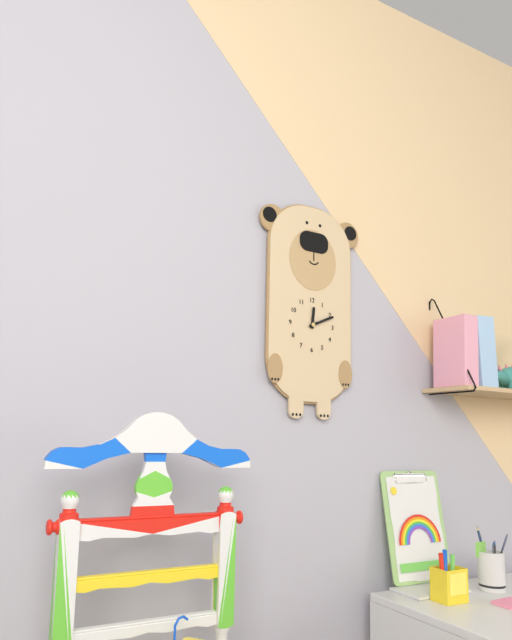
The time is h=12 m=11
